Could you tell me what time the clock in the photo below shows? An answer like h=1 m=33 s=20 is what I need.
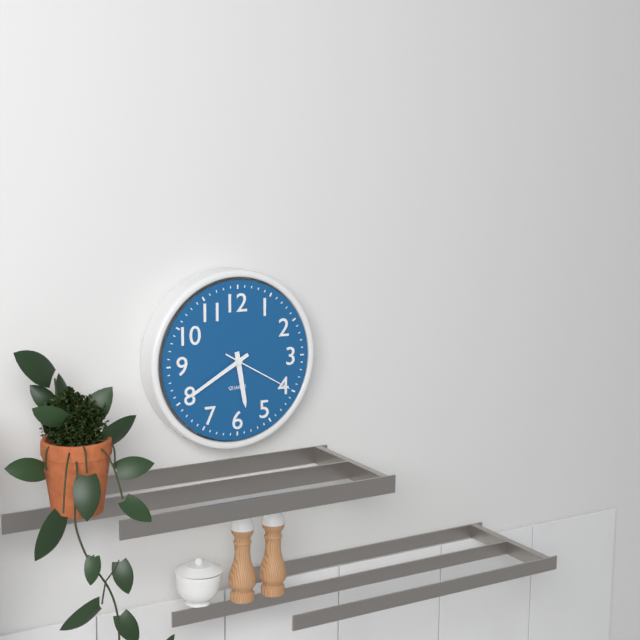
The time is h=5 m=40 s=20
